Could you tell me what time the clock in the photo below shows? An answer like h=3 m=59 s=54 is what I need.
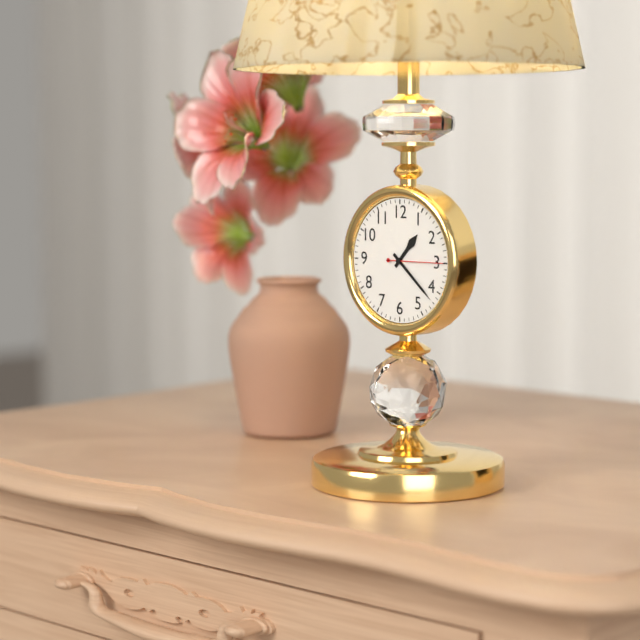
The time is h=1 m=22 s=15
